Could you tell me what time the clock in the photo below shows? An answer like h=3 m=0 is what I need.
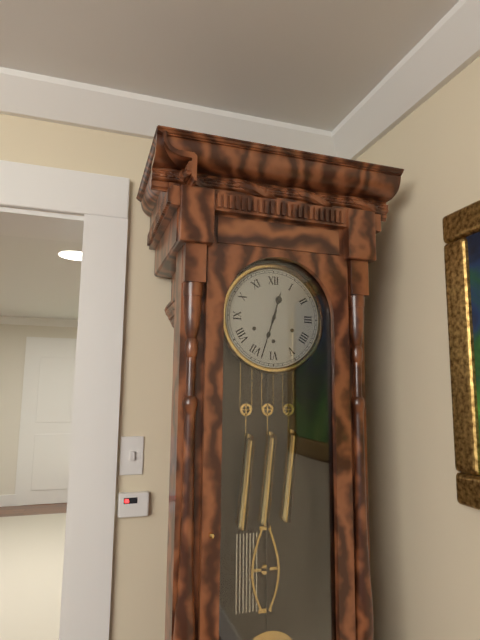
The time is h=12 m=33
